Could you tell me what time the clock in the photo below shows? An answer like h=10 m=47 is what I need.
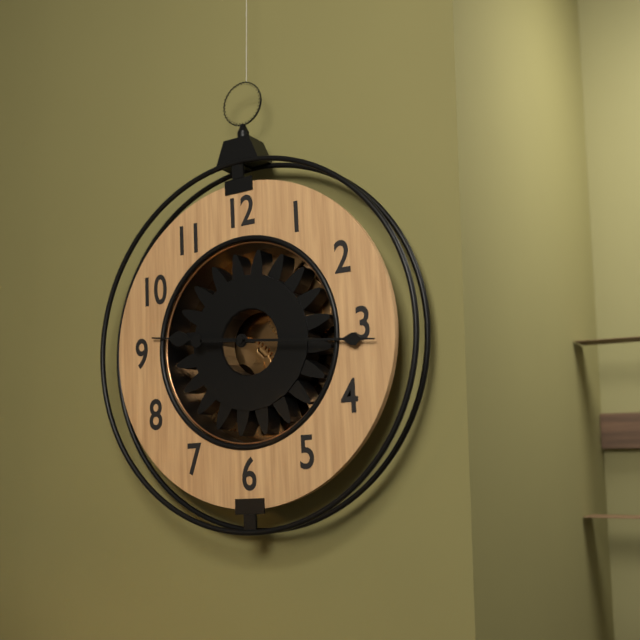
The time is h=9 m=16
